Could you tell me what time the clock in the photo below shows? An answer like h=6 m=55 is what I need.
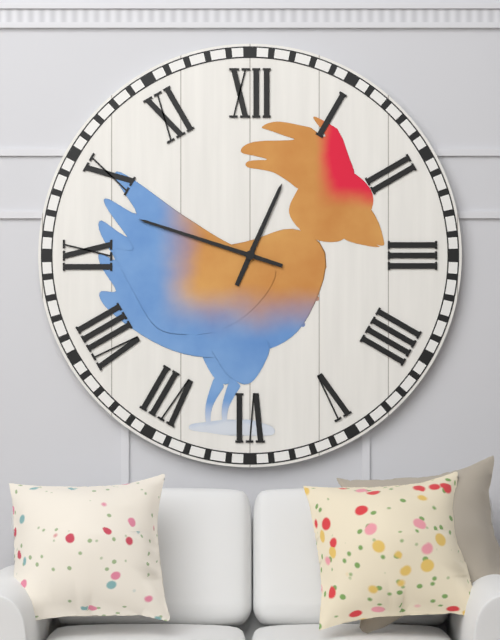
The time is h=12 m=48
